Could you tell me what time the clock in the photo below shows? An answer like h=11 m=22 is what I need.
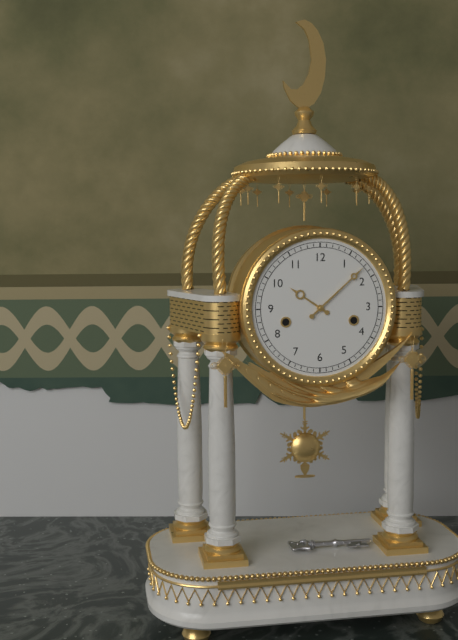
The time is h=10 m=8
